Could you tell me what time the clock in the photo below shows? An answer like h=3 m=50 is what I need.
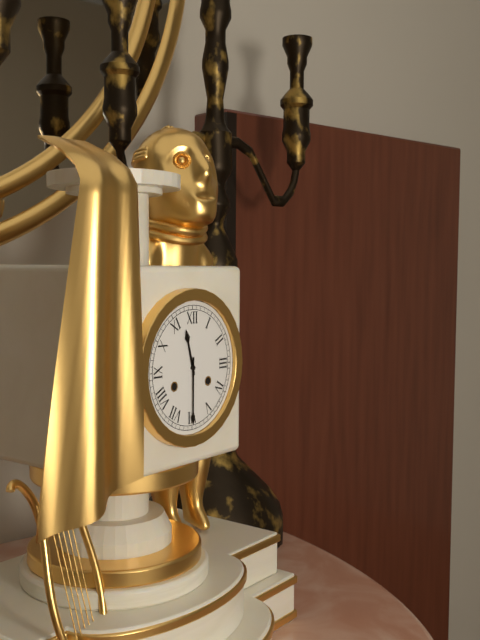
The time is h=11 m=30
